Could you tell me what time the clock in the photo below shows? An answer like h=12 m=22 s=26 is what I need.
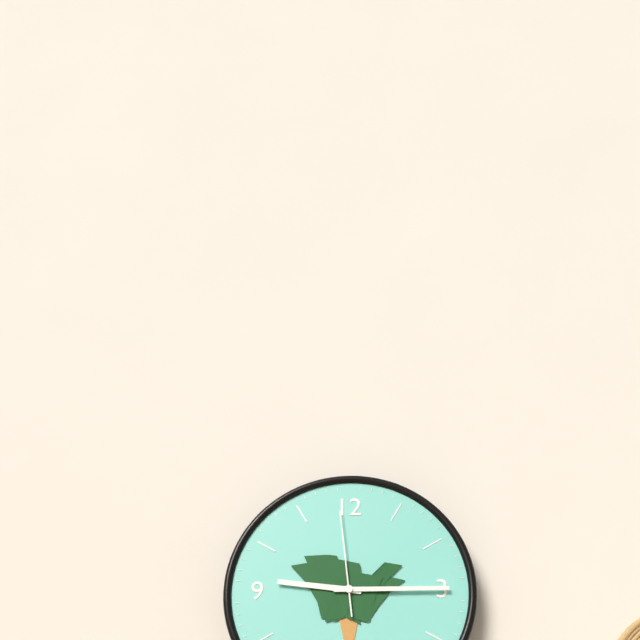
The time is h=9 m=15 s=59
